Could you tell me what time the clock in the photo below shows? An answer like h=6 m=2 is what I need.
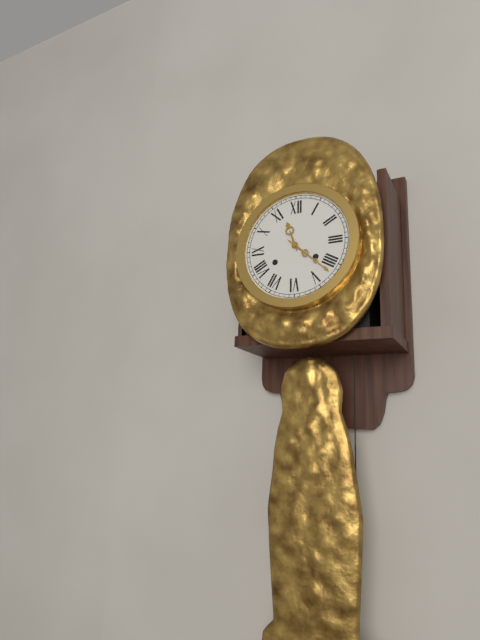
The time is h=11 m=22
